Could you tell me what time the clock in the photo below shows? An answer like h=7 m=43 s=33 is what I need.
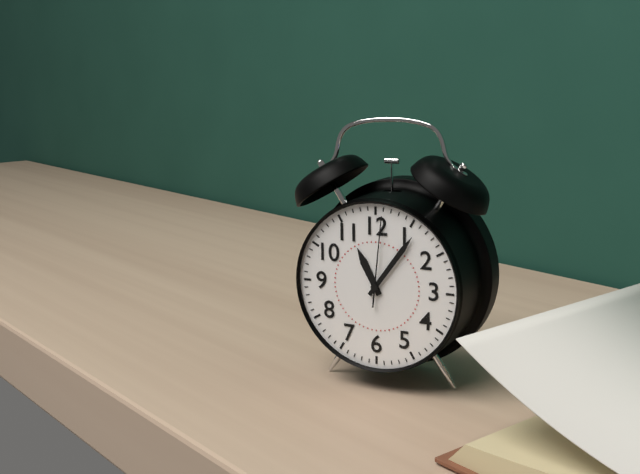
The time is h=11 m=6 s=1
